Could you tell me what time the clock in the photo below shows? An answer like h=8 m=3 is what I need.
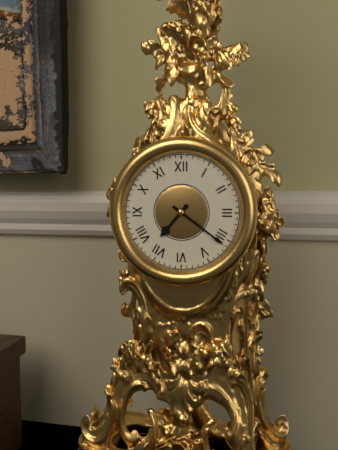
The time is h=7 m=21
